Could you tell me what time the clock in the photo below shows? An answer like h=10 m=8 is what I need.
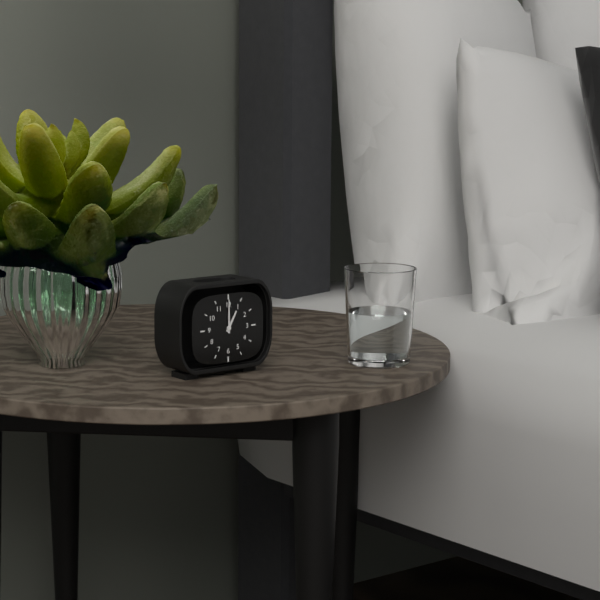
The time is h=1 m=0
